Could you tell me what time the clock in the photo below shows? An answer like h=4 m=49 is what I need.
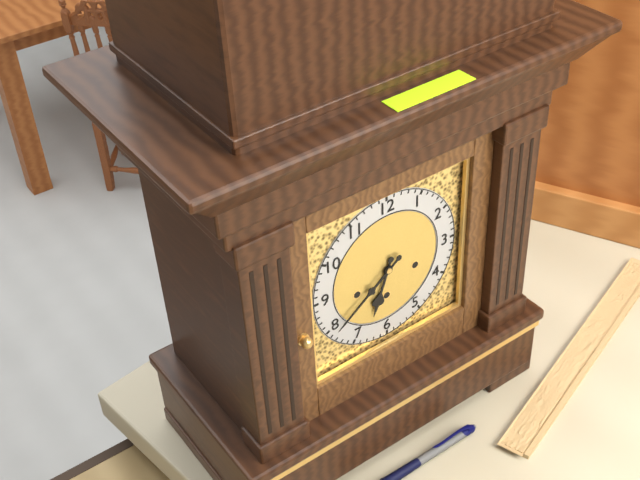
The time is h=6 m=39
